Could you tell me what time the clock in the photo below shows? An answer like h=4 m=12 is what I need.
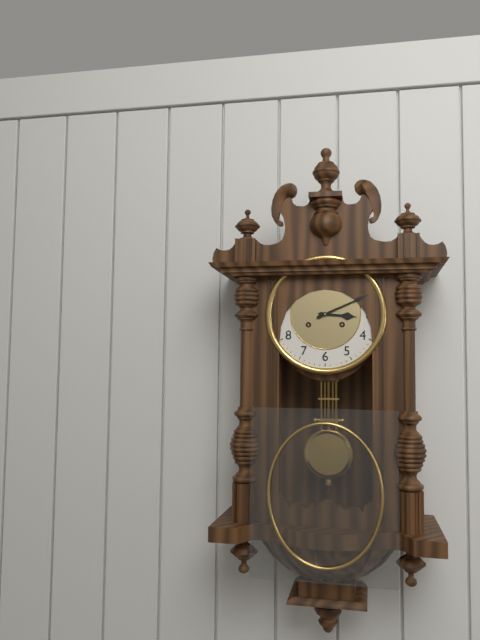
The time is h=3 m=11
